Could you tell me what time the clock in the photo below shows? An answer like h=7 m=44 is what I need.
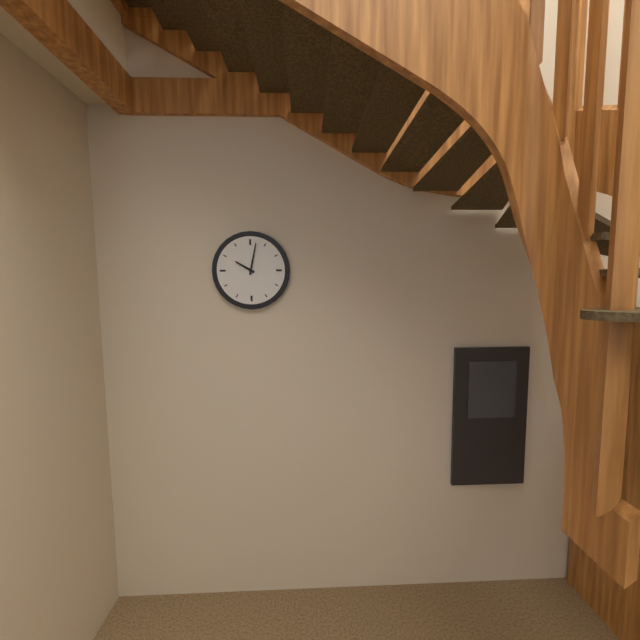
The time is h=10 m=2
